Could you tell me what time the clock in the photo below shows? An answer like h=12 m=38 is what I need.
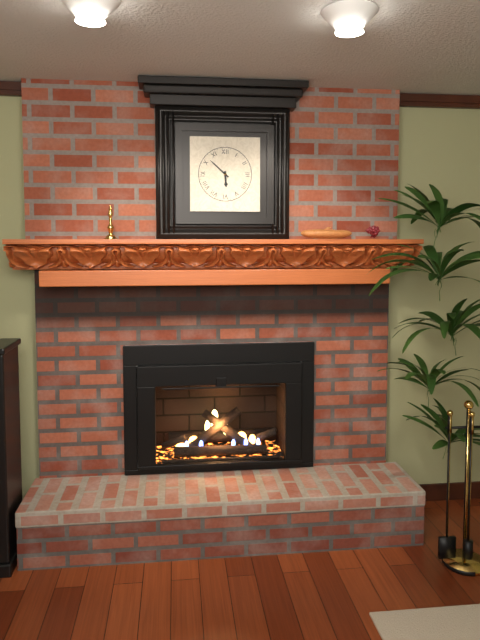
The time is h=5 m=52
